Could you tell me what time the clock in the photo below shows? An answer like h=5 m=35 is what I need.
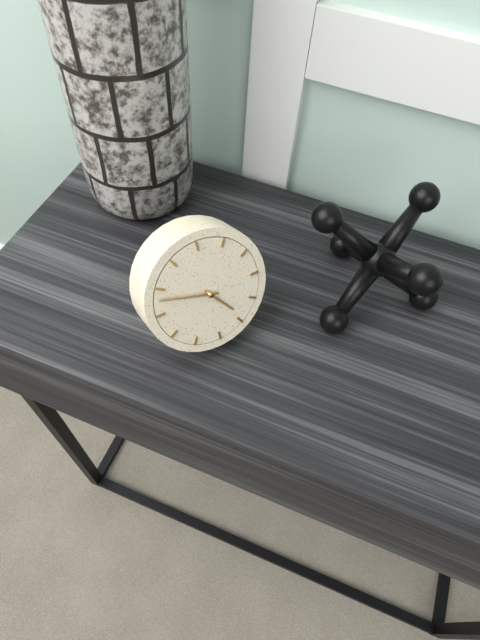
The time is h=4 m=48
